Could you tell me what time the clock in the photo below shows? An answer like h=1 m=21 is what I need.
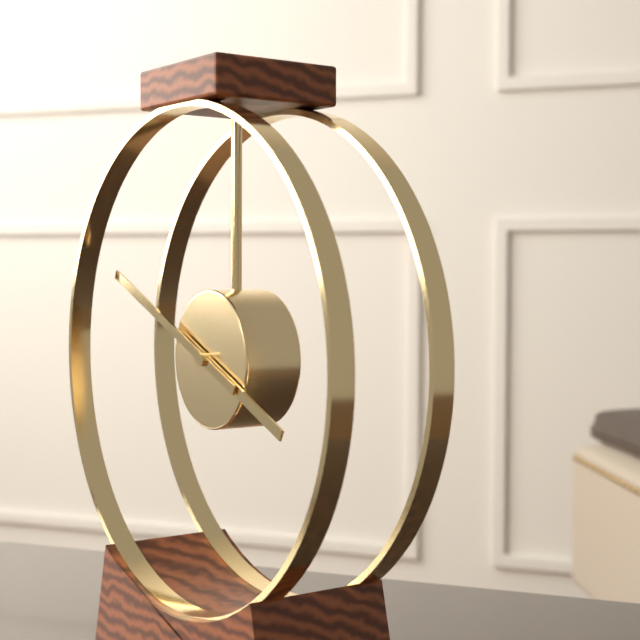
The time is h=3 m=49
